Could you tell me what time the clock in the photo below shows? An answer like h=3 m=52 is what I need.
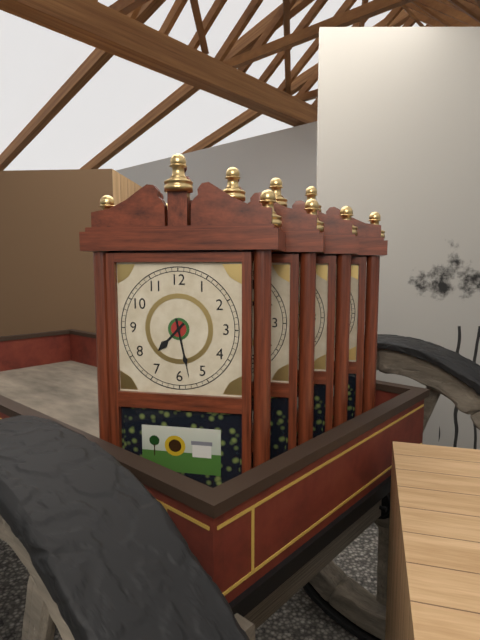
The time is h=7 m=28
